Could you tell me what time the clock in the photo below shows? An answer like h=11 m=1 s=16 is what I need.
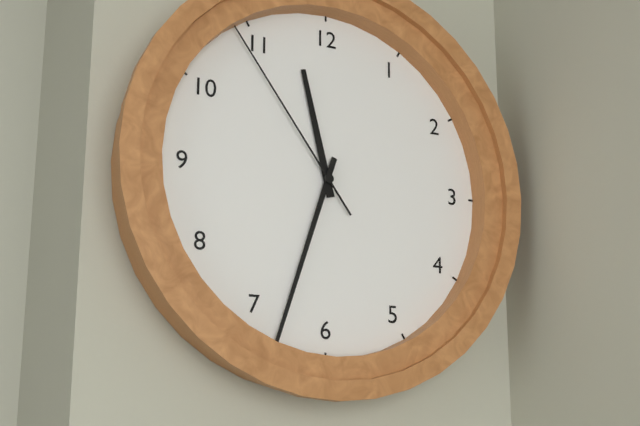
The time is h=11 m=33 s=54
